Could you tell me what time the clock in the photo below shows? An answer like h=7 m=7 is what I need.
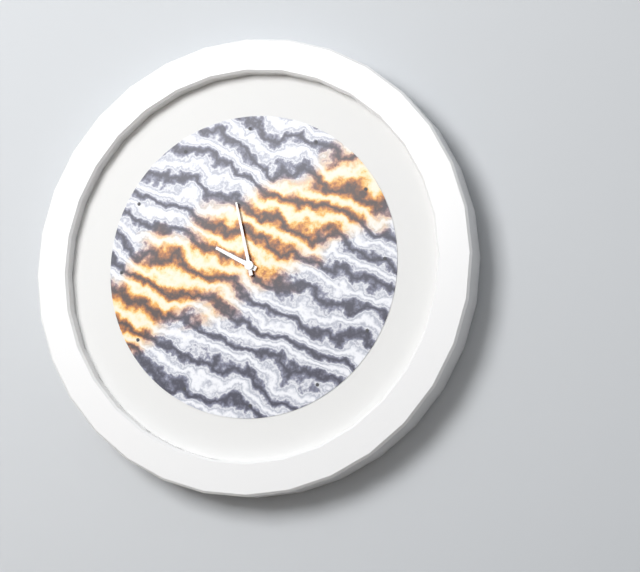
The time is h=9 m=58
